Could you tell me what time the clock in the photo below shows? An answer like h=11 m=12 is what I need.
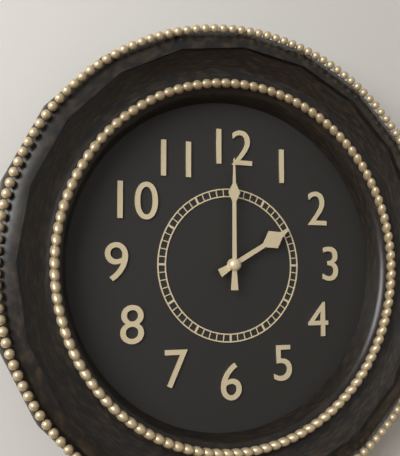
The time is h=2 m=0
